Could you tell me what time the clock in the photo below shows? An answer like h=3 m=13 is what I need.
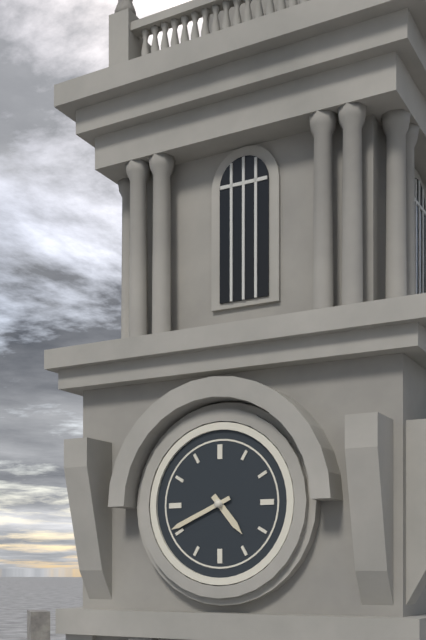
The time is h=4 m=41
